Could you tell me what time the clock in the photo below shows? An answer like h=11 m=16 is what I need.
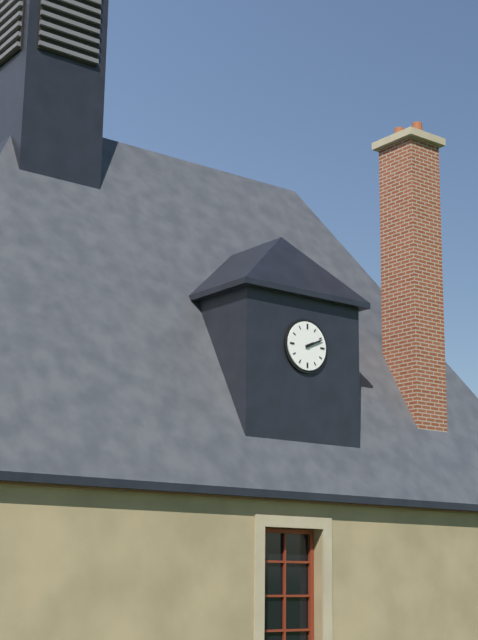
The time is h=2 m=11
